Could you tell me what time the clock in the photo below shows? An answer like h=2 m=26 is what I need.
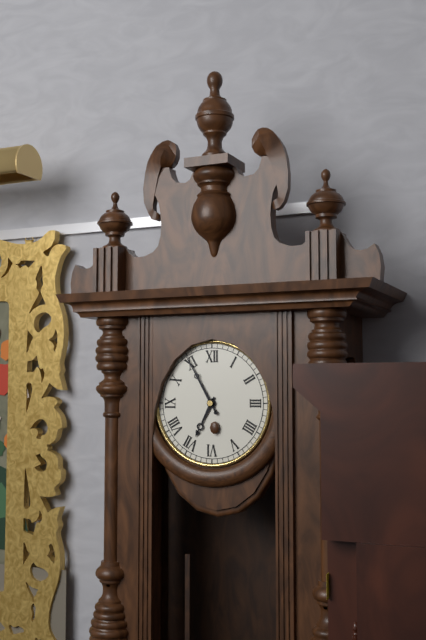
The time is h=6 m=55
